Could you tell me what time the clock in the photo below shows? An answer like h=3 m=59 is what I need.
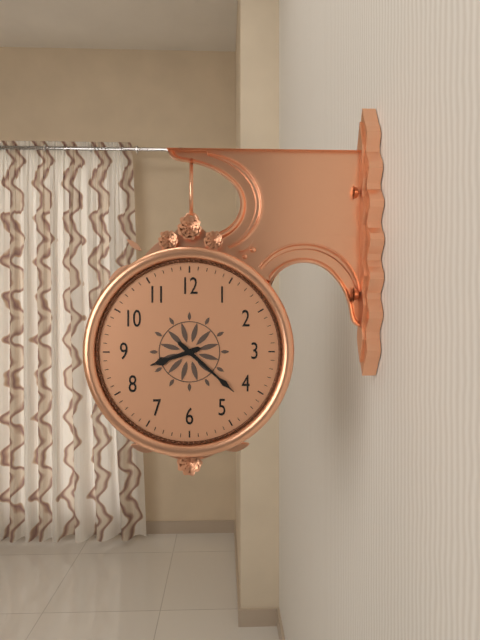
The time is h=8 m=22
